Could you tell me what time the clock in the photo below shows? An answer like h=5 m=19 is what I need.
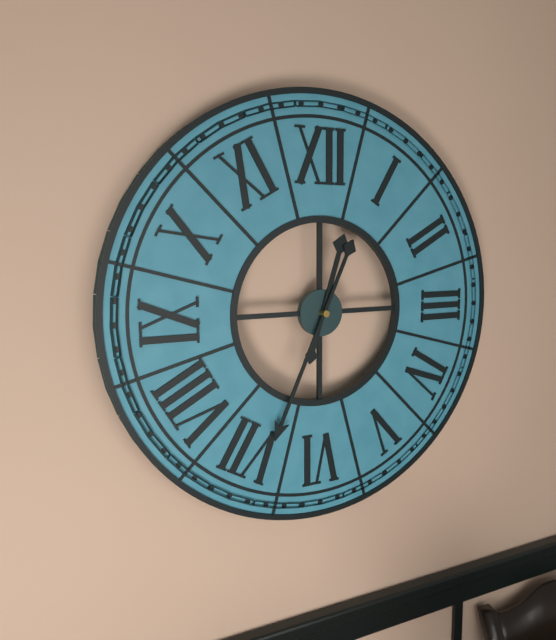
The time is h=12 m=34
